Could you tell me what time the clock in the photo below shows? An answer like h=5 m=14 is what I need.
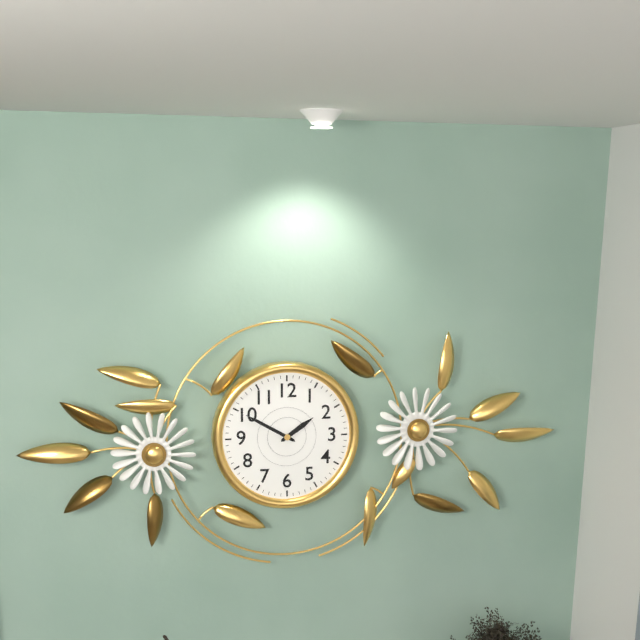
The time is h=1 m=50
